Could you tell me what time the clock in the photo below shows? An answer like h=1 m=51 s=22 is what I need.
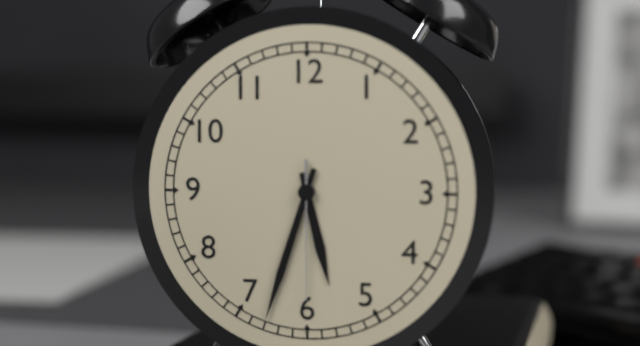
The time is h=5 m=33 s=30
